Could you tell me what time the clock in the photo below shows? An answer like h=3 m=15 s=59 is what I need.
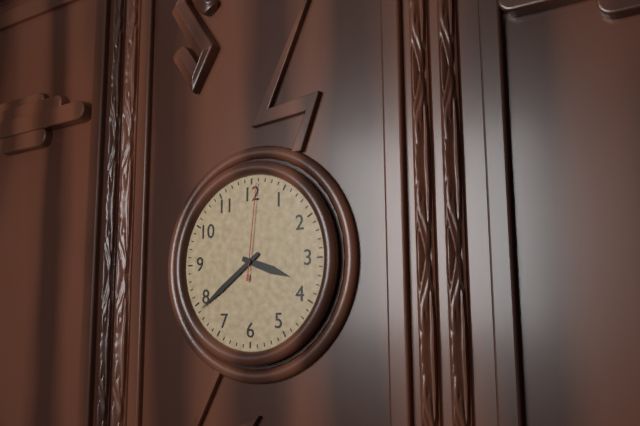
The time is h=3 m=39 s=1
